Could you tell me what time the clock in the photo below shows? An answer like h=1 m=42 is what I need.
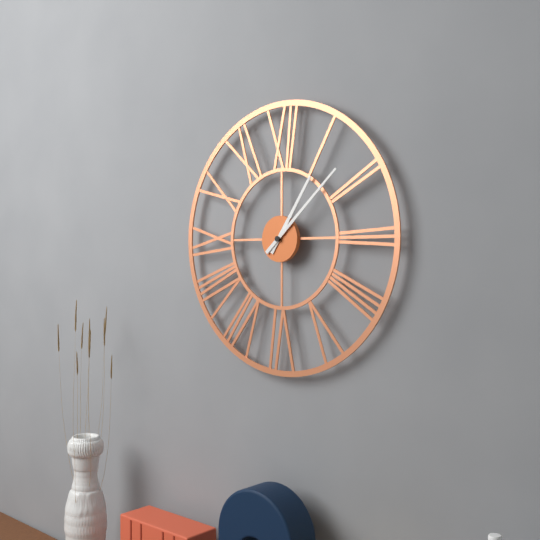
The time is h=1 m=8
